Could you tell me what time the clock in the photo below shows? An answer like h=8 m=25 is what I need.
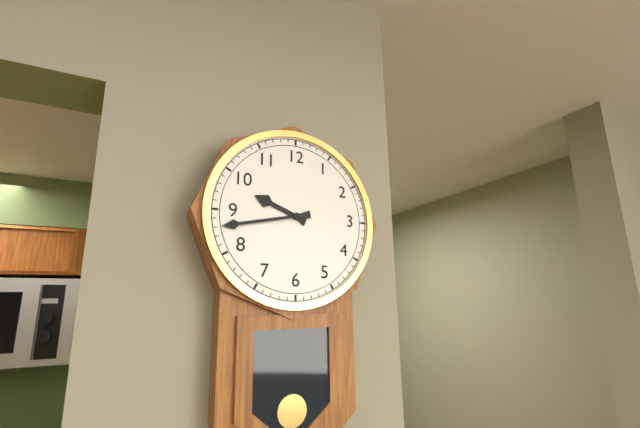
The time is h=9 m=43
